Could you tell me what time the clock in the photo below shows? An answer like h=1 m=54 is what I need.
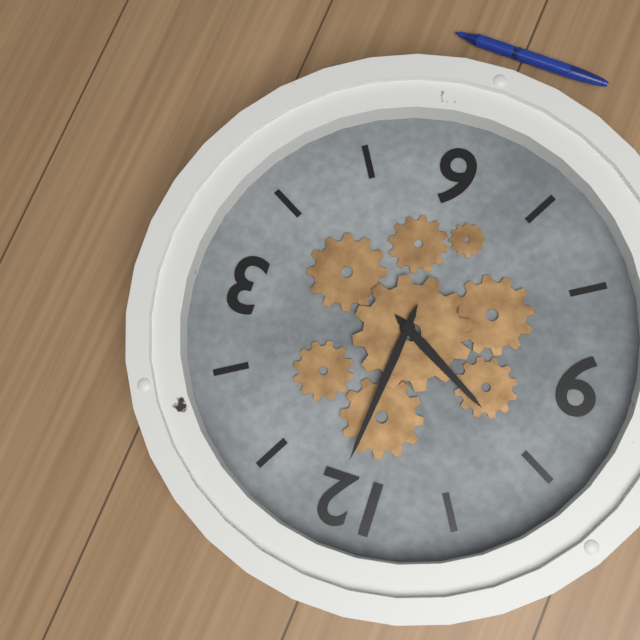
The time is h=10 m=1
